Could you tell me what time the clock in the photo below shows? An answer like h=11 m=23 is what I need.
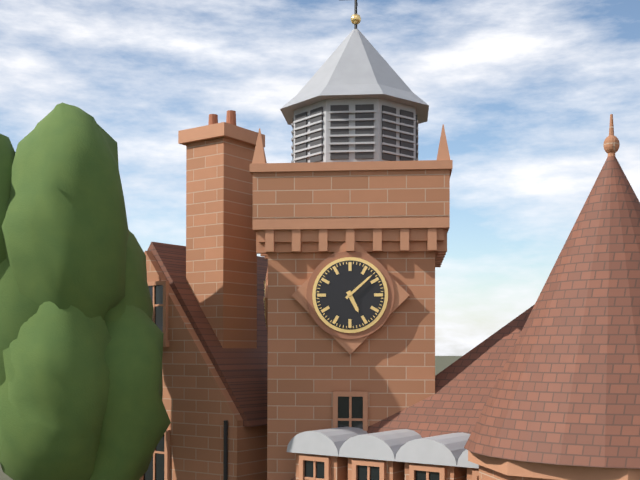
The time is h=5 m=8
